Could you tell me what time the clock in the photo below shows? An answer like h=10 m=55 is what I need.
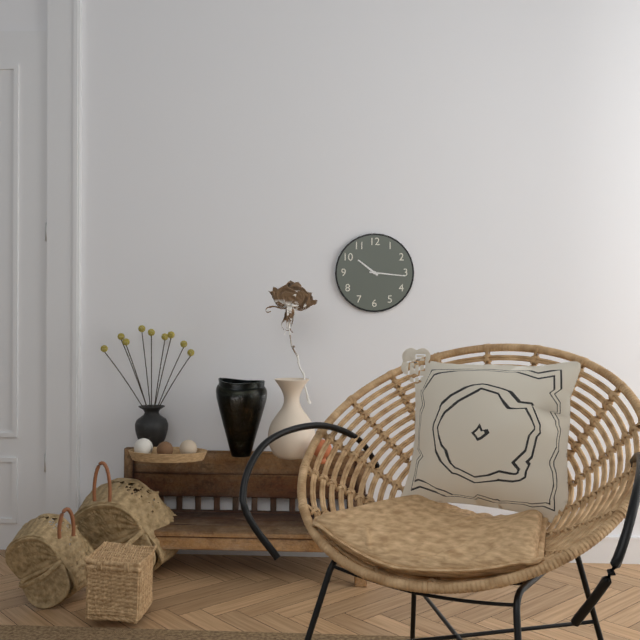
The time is h=10 m=16
